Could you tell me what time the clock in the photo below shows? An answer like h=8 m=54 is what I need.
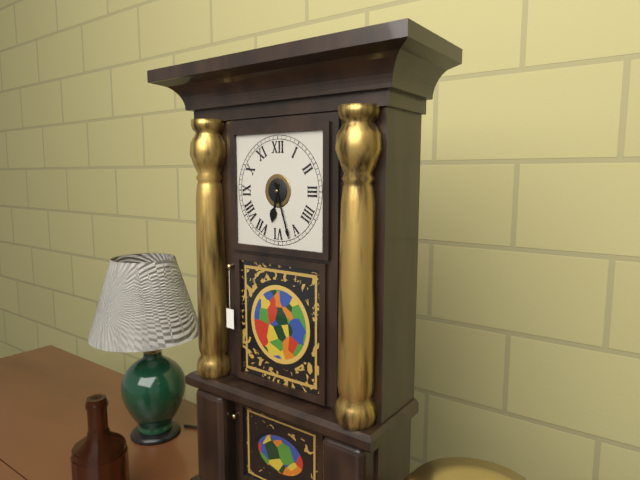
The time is h=6 m=27
